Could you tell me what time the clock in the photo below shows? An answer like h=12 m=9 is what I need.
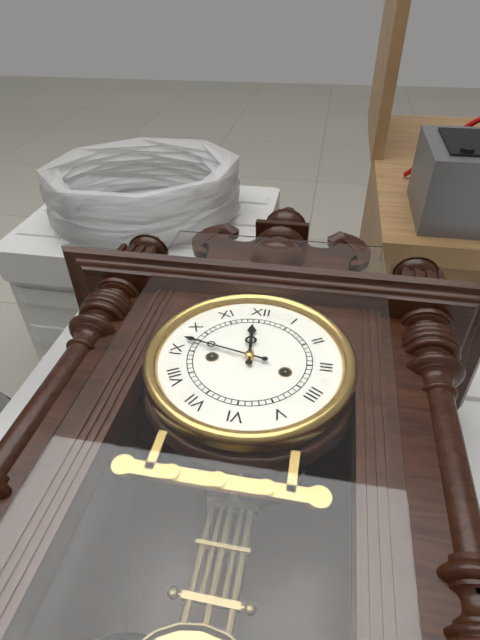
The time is h=11 m=47
